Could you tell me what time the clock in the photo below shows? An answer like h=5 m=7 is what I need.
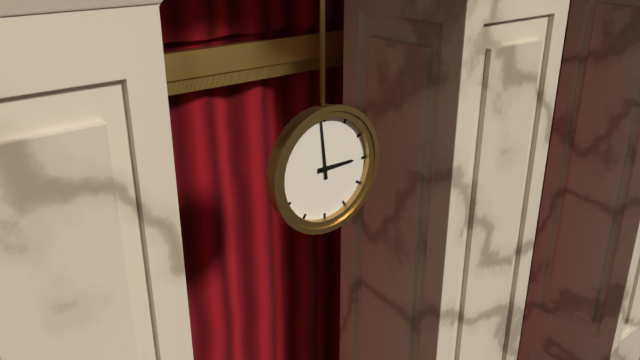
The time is h=2 m=59
